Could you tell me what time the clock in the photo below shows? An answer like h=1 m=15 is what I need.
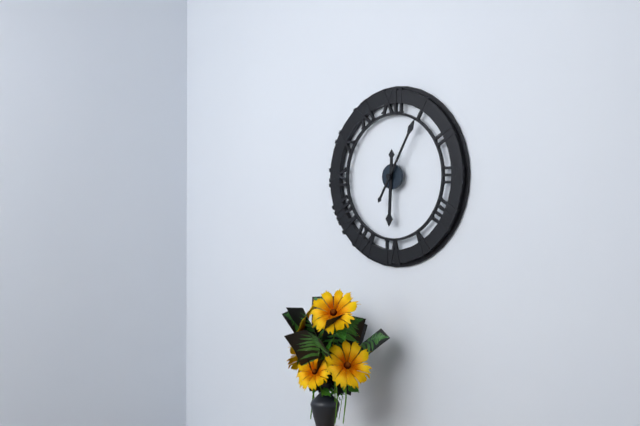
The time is h=6 m=5
